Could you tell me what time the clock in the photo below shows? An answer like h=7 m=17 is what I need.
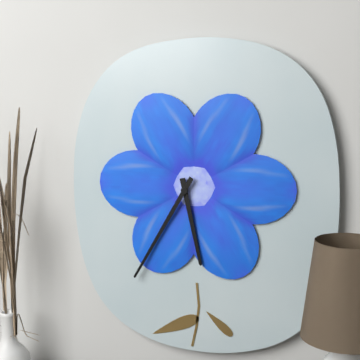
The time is h=5 m=35
